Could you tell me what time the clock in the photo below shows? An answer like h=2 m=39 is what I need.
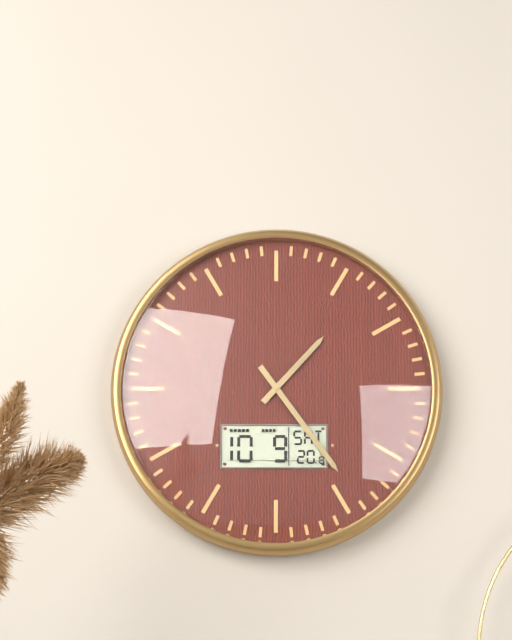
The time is h=1 m=24
